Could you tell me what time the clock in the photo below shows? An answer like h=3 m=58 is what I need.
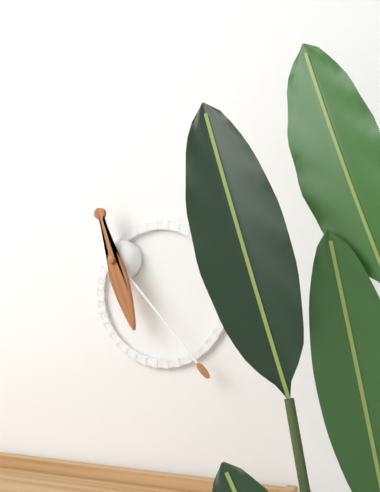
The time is h=5 m=23
